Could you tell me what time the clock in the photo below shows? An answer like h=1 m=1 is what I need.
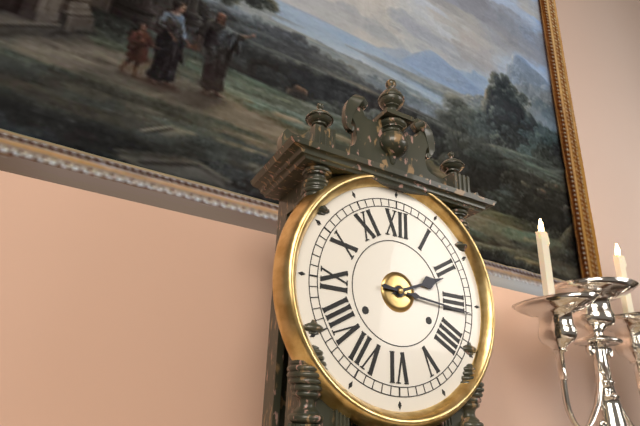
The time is h=2 m=16
